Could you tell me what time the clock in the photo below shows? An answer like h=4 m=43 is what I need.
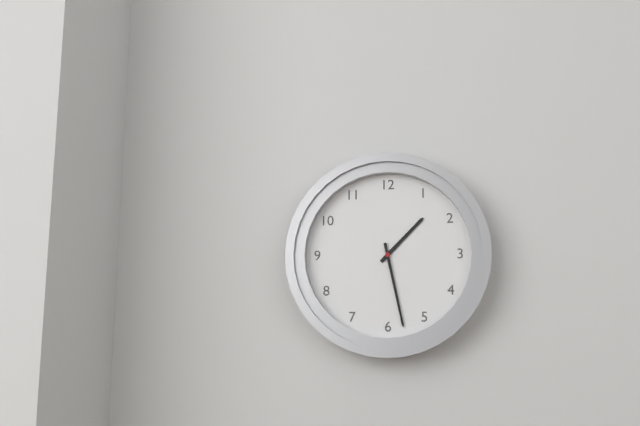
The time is h=1 m=28
